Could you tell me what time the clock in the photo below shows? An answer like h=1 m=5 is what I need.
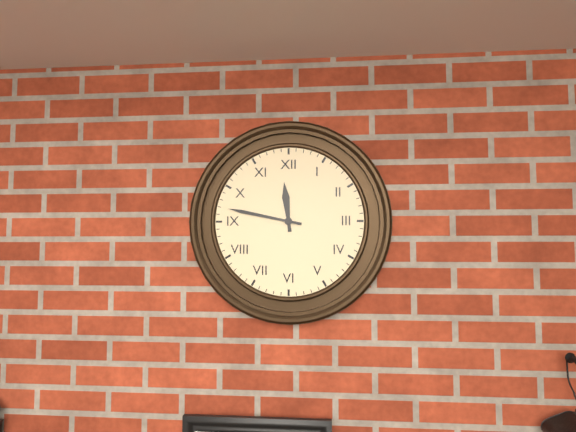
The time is h=11 m=47
